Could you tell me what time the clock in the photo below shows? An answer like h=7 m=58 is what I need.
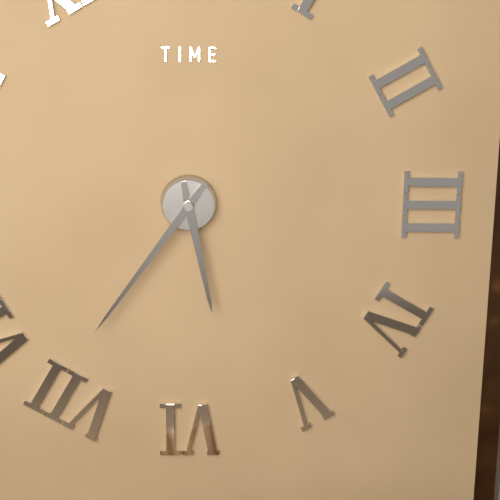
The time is h=5 m=36
